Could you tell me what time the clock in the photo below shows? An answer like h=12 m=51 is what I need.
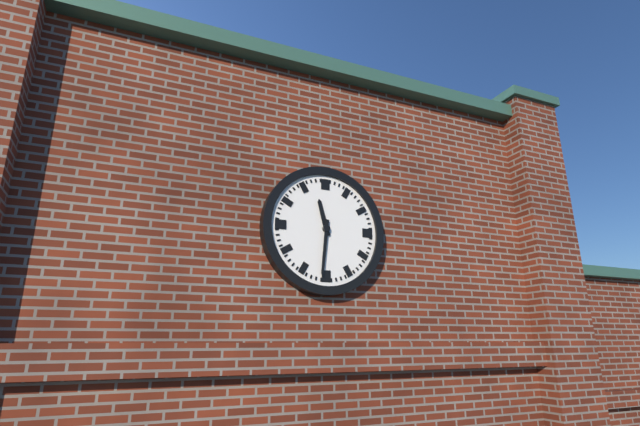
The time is h=11 m=31
